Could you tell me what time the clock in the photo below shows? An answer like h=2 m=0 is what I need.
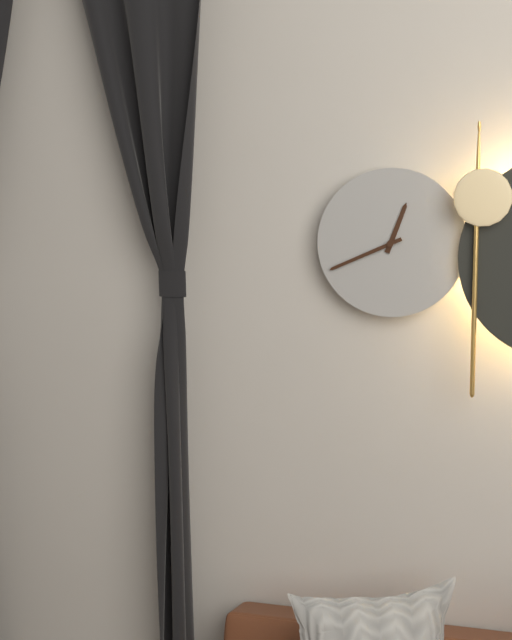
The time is h=12 m=41
